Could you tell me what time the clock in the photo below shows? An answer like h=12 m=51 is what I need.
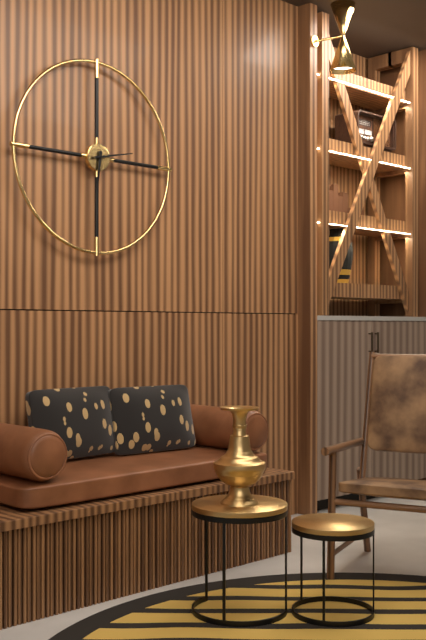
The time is h=6 m=13
